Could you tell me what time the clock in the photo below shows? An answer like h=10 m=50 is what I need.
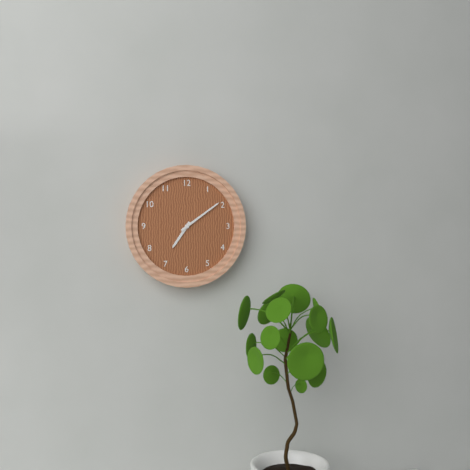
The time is h=7 m=9
